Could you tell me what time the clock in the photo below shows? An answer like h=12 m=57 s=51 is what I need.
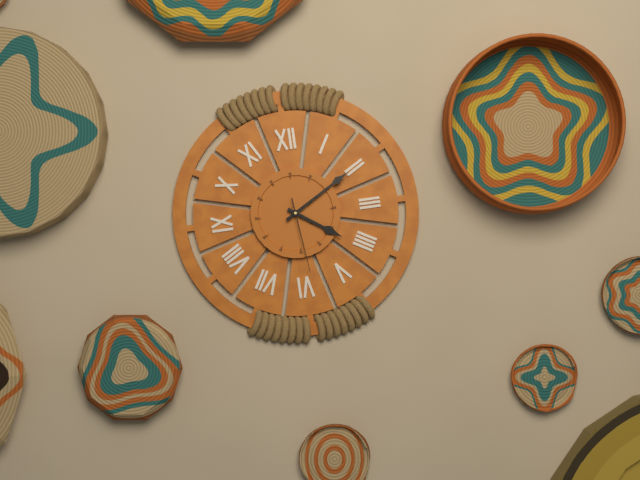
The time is h=4 m=10 s=29
